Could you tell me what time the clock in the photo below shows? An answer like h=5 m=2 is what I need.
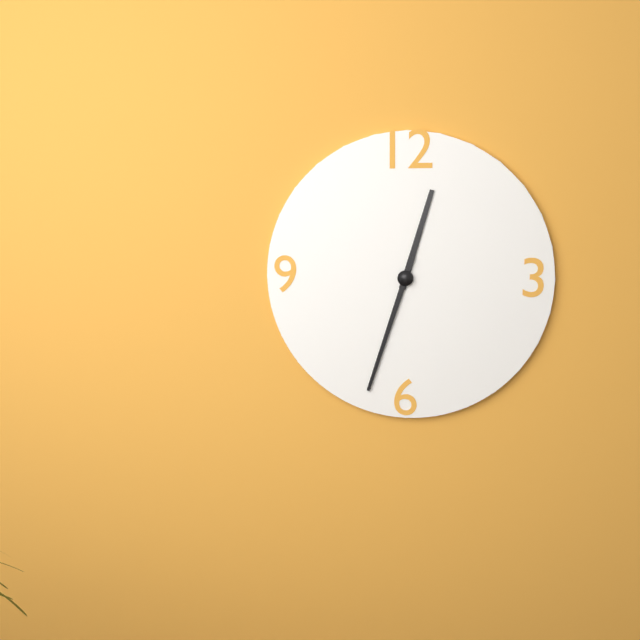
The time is h=12 m=33
